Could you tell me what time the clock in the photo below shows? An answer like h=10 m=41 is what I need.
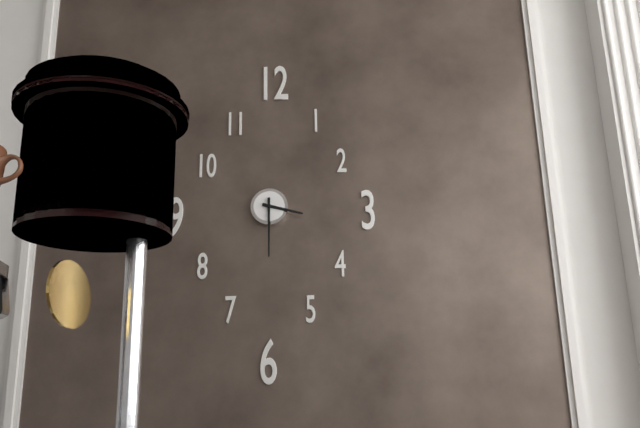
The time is h=3 m=30
